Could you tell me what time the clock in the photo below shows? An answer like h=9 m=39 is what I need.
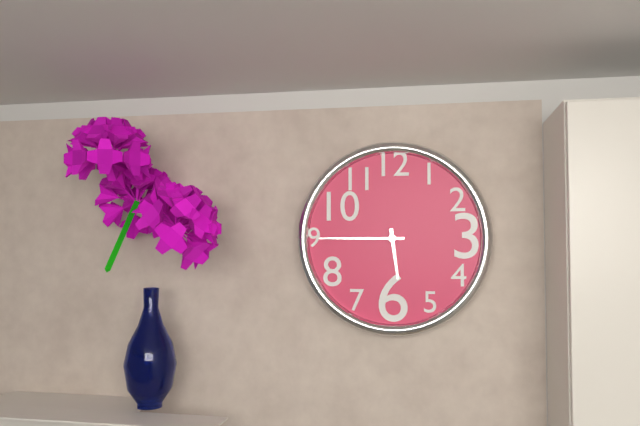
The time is h=5 m=45
